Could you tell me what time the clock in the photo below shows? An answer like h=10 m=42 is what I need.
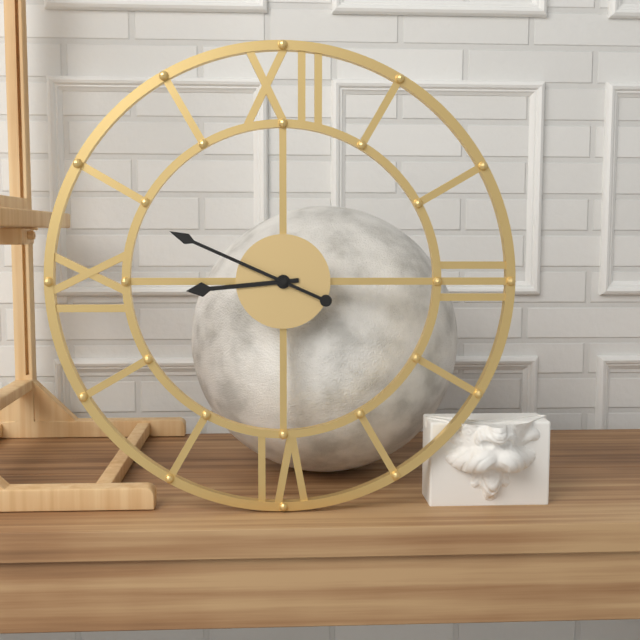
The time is h=8 m=49
